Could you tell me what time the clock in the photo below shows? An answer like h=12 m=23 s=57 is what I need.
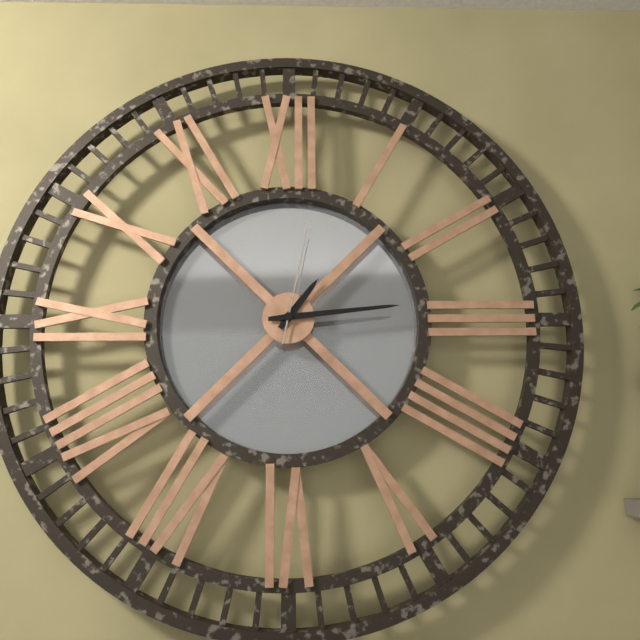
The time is h=1 m=14 s=2
